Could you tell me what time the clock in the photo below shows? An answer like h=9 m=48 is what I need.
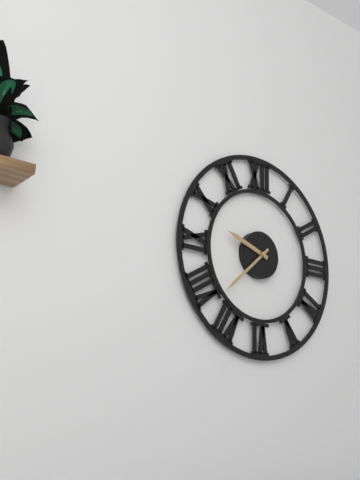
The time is h=9 m=38
